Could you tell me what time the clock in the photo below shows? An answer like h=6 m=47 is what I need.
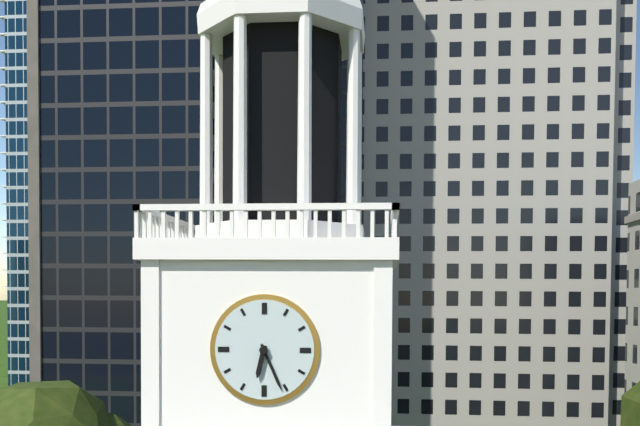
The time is h=6 m=26
